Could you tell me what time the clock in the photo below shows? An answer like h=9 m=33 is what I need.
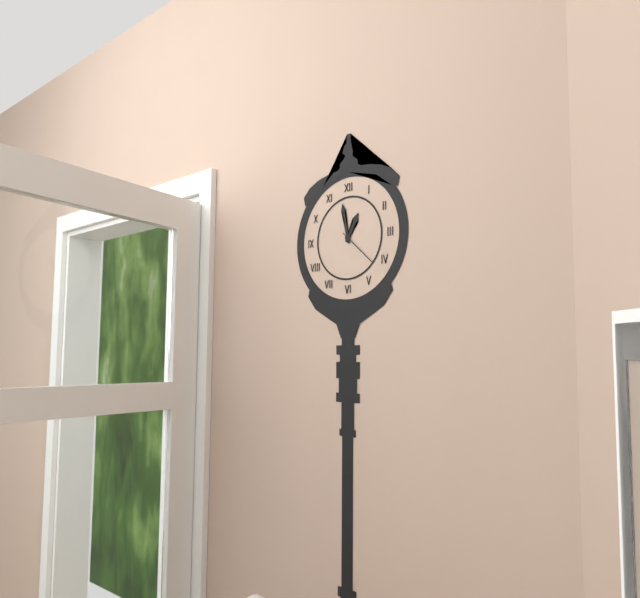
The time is h=12 m=58
